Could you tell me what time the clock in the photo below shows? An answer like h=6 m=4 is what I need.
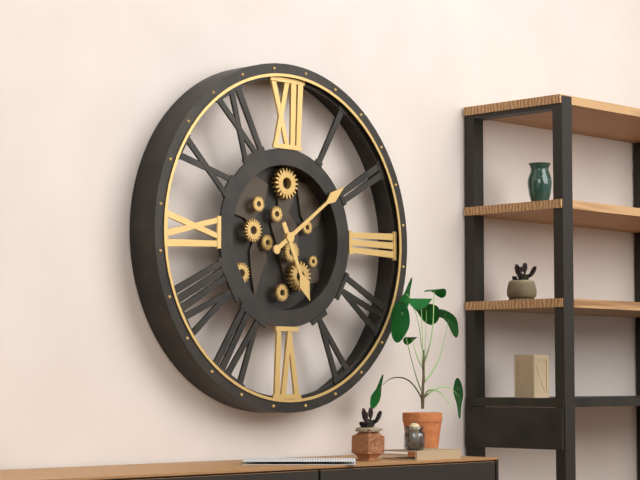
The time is h=5 m=9
